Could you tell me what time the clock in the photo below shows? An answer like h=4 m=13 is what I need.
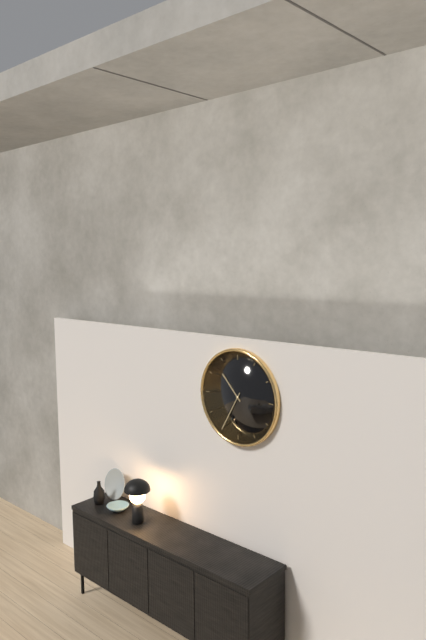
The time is h=10 m=35
